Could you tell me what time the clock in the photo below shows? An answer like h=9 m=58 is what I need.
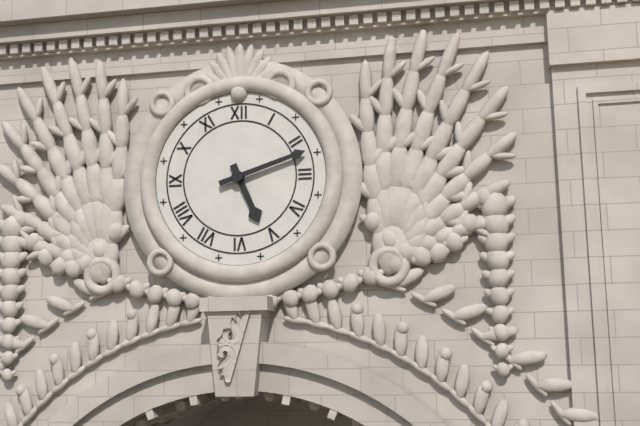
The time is h=5 m=12
